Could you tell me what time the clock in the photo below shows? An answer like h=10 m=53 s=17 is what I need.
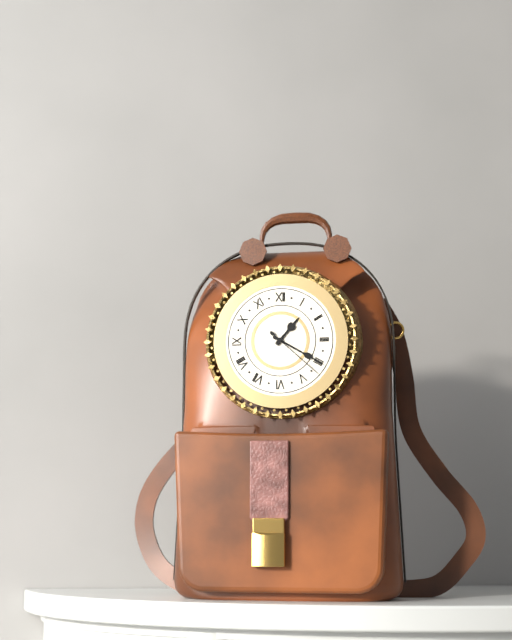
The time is h=1 m=20 s=22
